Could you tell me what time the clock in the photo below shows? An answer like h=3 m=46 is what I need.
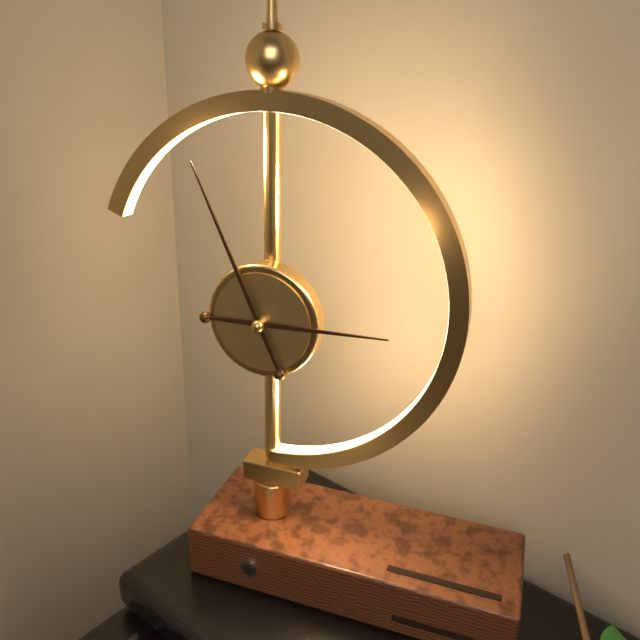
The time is h=2 m=56
